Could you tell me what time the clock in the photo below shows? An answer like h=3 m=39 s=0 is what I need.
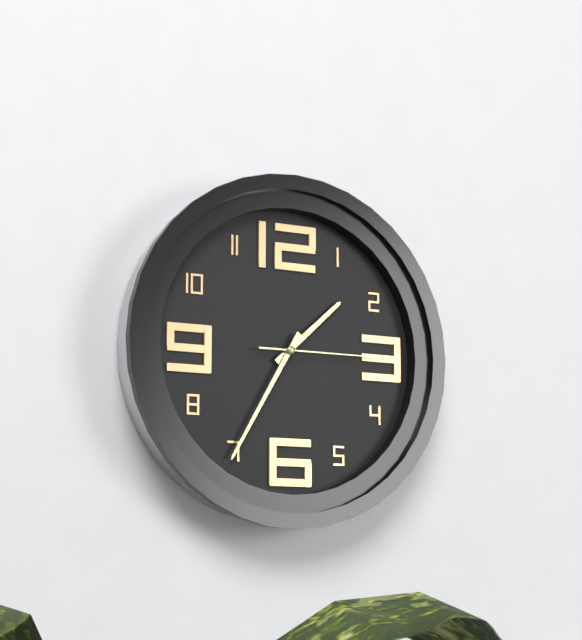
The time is h=1 m=35 s=15
